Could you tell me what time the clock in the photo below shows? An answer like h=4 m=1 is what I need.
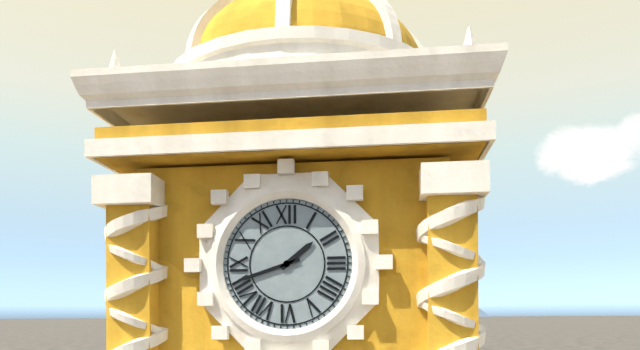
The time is h=1 m=42
